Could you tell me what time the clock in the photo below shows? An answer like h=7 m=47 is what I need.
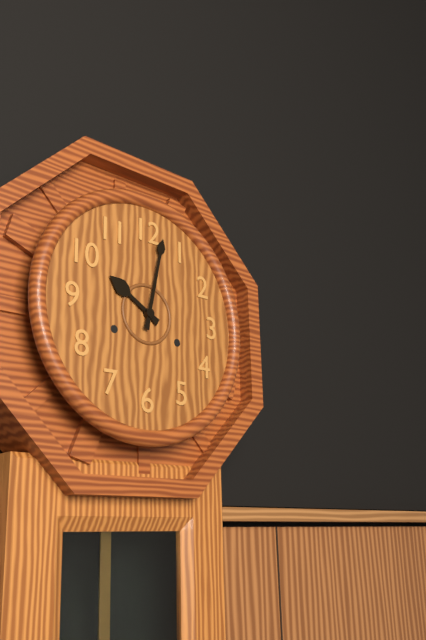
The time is h=10 m=2
